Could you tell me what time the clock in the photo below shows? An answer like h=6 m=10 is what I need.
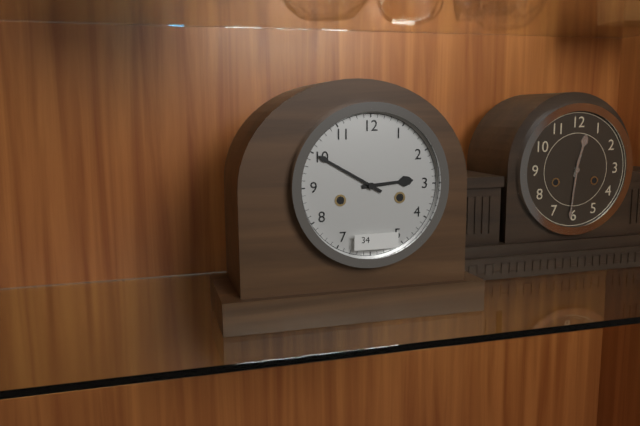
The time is h=2 m=50
